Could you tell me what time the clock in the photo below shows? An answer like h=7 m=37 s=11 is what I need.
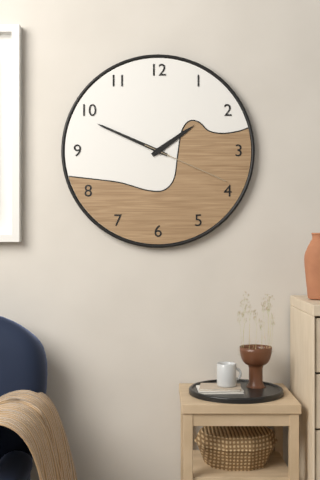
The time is h=1 m=49 s=19
